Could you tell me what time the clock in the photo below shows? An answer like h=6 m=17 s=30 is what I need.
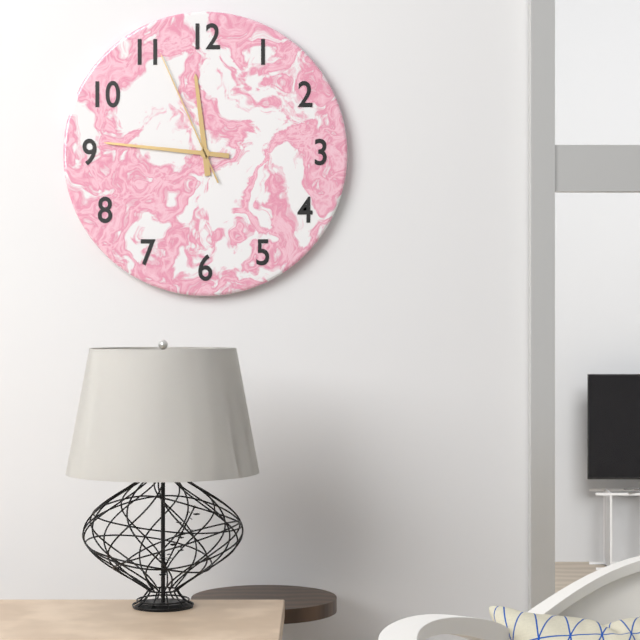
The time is h=11 m=46 s=56
